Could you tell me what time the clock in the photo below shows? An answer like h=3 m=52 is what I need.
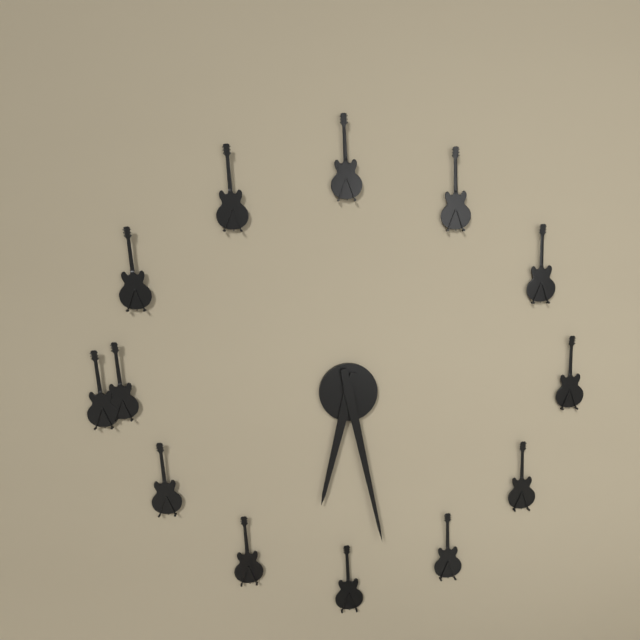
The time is h=6 m=28
